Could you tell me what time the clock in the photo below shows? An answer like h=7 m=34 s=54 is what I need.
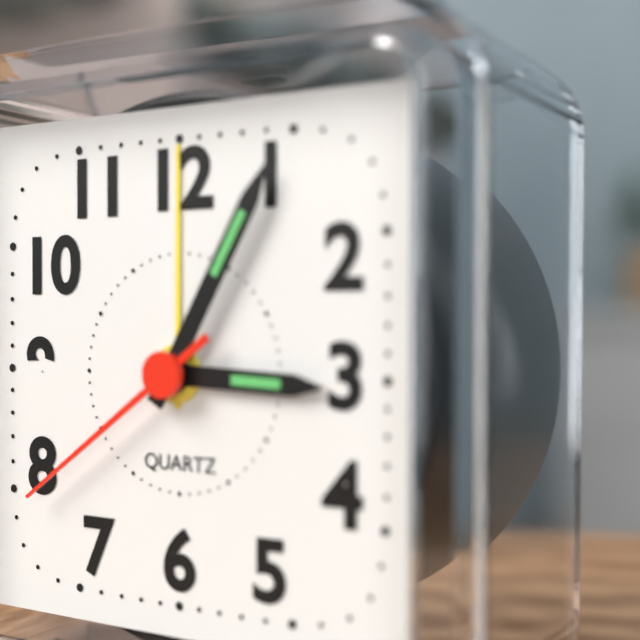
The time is h=3 m=5 s=39
